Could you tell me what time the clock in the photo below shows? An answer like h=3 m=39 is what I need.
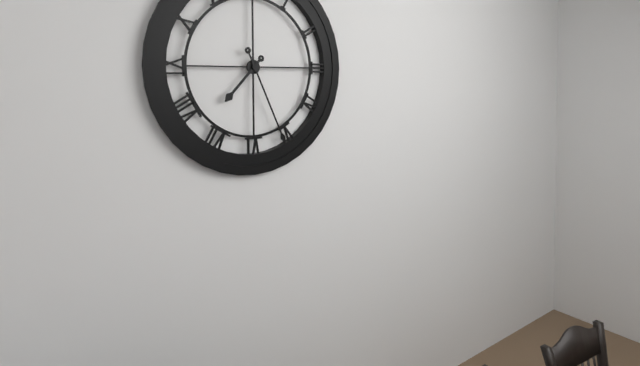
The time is h=7 m=26
